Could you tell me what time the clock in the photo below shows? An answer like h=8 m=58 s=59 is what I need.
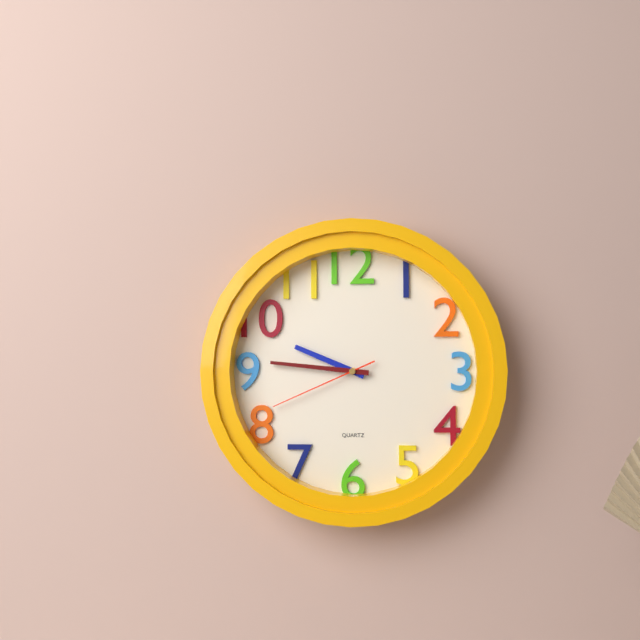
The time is h=9 m=46 s=41
